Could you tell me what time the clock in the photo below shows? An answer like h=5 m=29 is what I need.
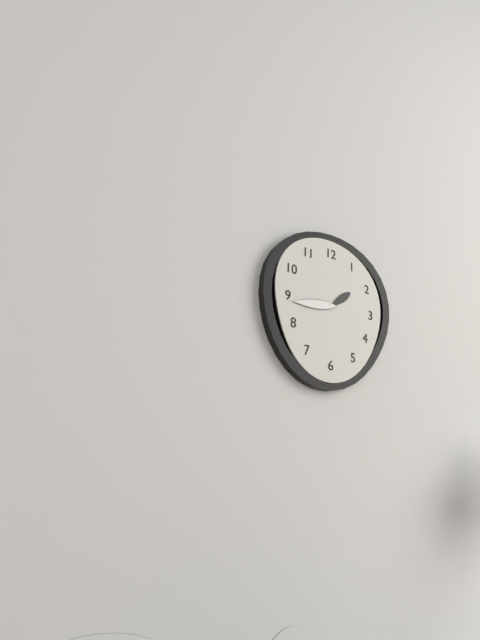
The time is h=1 m=44
